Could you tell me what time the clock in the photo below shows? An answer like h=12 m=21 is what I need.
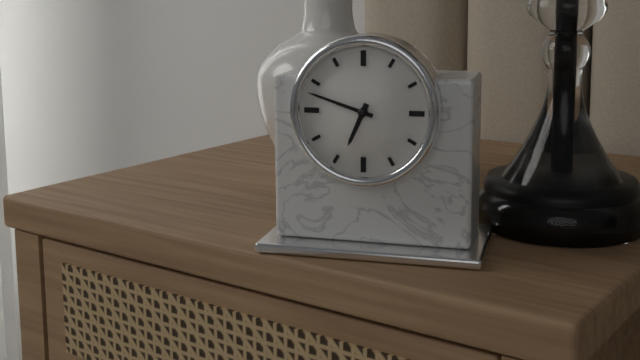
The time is h=6 m=48
